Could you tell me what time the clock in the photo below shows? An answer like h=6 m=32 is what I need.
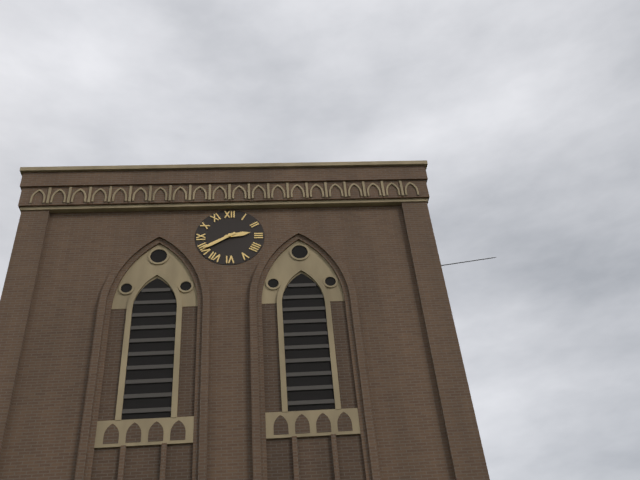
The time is h=2 m=40
